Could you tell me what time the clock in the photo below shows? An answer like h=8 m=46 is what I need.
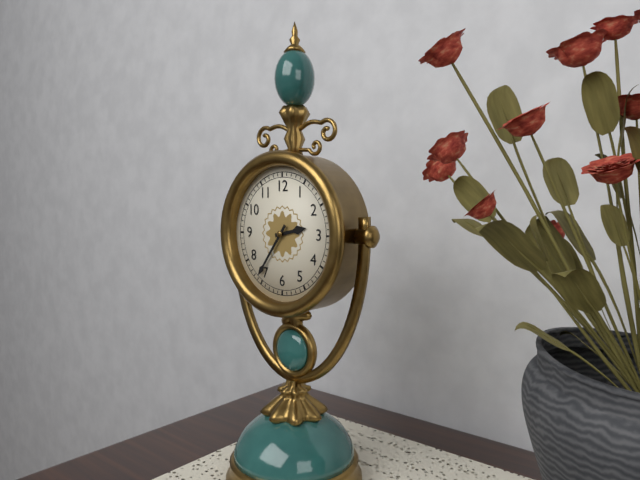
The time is h=2 m=36
